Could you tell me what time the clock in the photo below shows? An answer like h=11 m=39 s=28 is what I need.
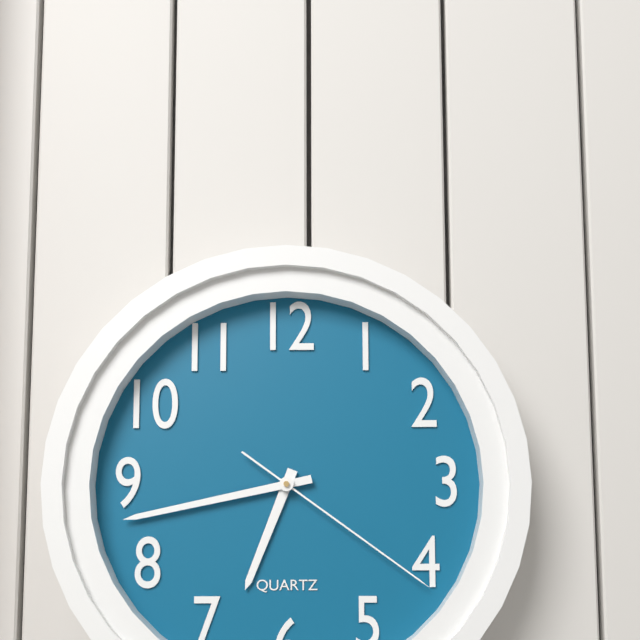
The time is h=6 m=43 s=21
